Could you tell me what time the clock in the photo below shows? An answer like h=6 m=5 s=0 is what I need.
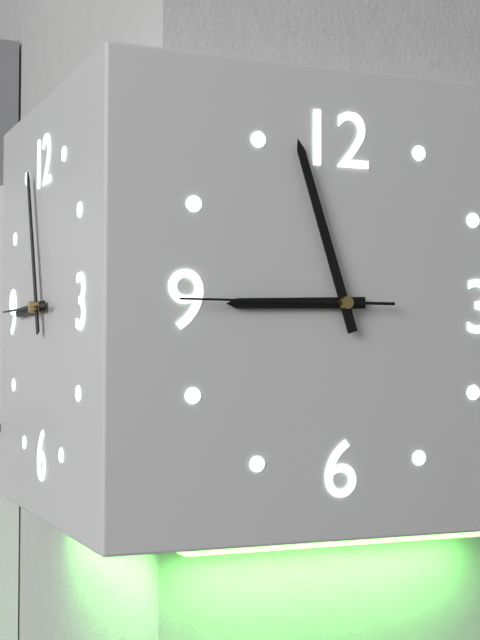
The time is h=8 m=57 s=45
